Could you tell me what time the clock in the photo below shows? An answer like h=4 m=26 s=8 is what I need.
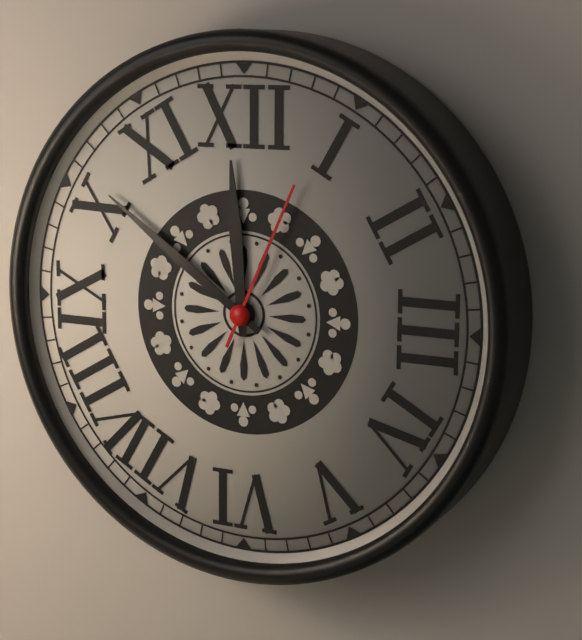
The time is h=11 m=51 s=4
